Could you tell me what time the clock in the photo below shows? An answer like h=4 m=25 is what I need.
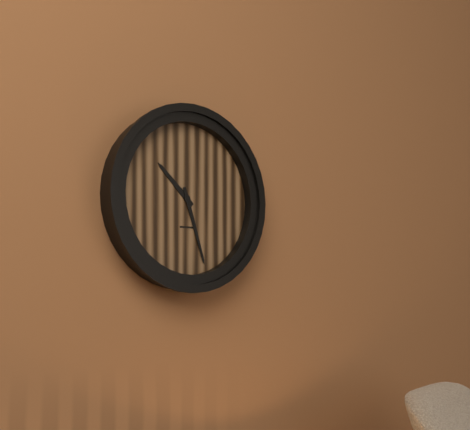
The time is h=10 m=27
